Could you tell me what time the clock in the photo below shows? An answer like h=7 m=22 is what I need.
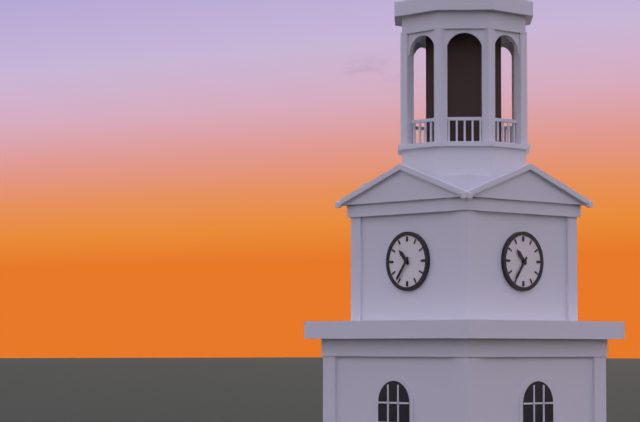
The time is h=10 m=36
